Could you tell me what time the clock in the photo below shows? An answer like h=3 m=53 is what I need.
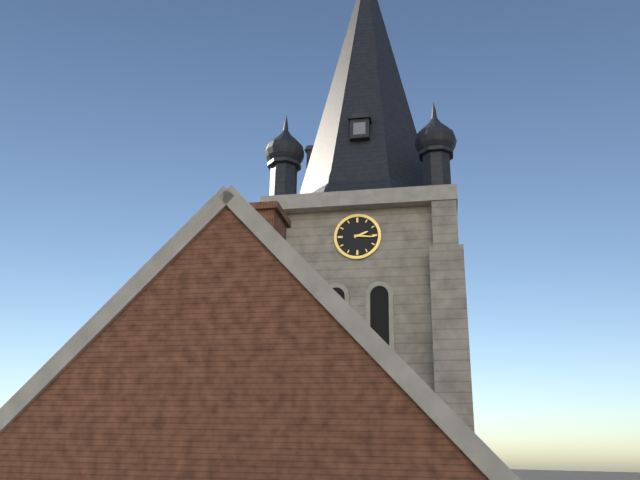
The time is h=2 m=16
